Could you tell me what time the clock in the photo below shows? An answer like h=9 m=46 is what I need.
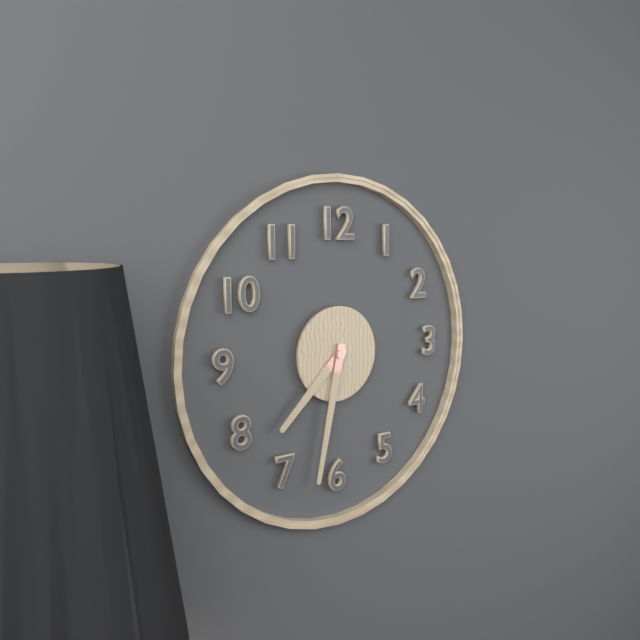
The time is h=7 m=32
